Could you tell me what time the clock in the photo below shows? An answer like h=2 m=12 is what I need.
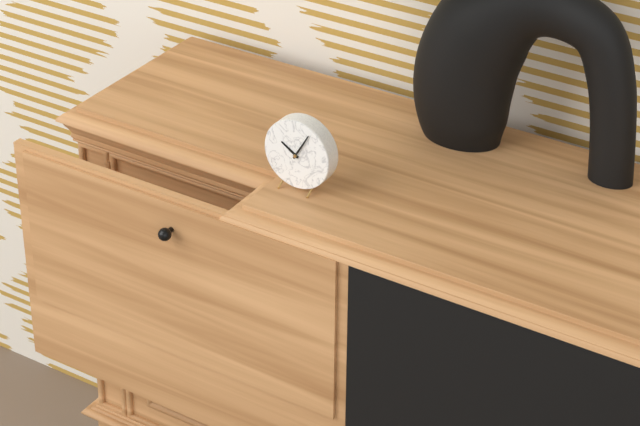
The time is h=10 m=5
